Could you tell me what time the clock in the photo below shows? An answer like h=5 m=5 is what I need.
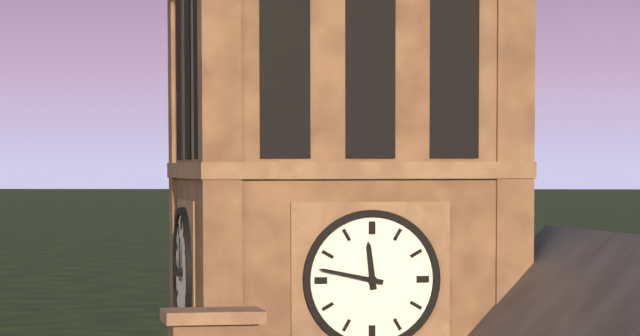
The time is h=11 m=47
